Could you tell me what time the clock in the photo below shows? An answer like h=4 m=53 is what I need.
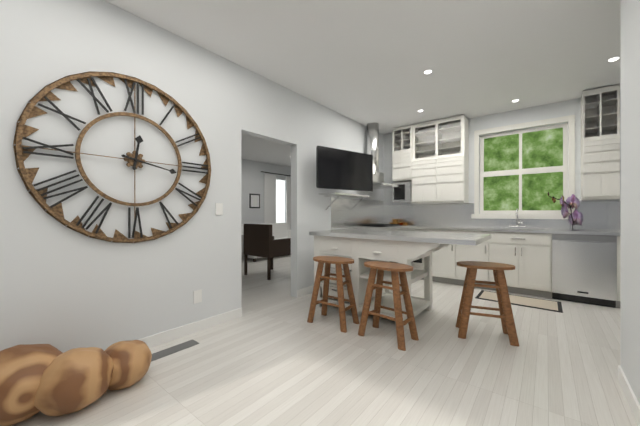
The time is h=12 m=17
